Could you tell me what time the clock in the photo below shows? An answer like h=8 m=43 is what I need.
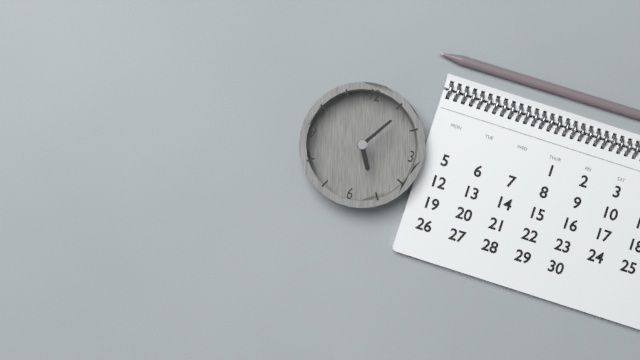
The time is h=5 m=6
